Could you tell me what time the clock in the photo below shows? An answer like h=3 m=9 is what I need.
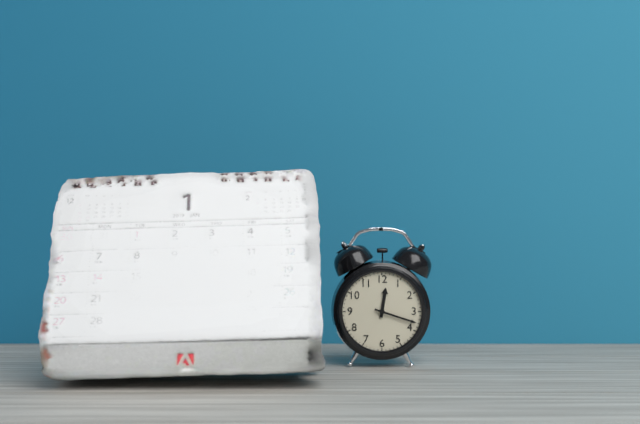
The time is h=12 m=18
